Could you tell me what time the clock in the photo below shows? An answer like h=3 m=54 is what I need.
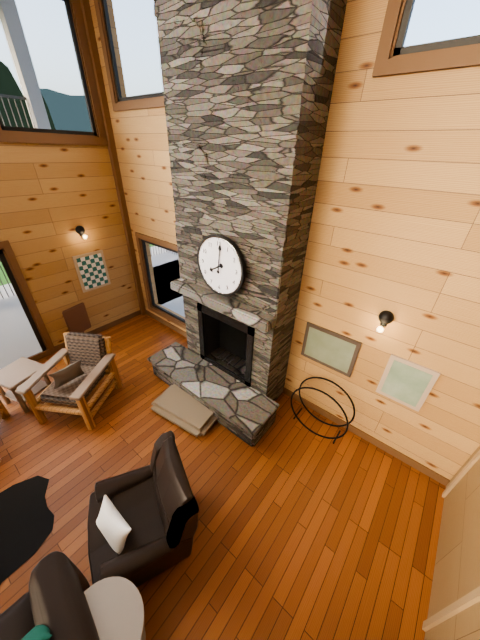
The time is h=8 m=1
